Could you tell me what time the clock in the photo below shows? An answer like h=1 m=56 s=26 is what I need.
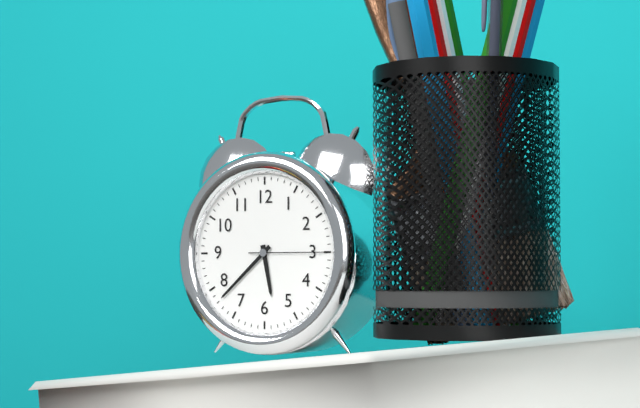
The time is h=5 m=38 s=15
